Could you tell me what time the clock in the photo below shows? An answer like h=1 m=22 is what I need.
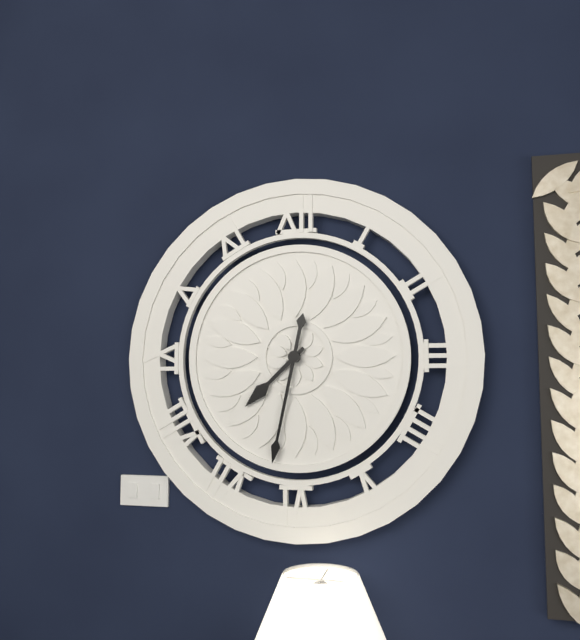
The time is h=7 m=32
